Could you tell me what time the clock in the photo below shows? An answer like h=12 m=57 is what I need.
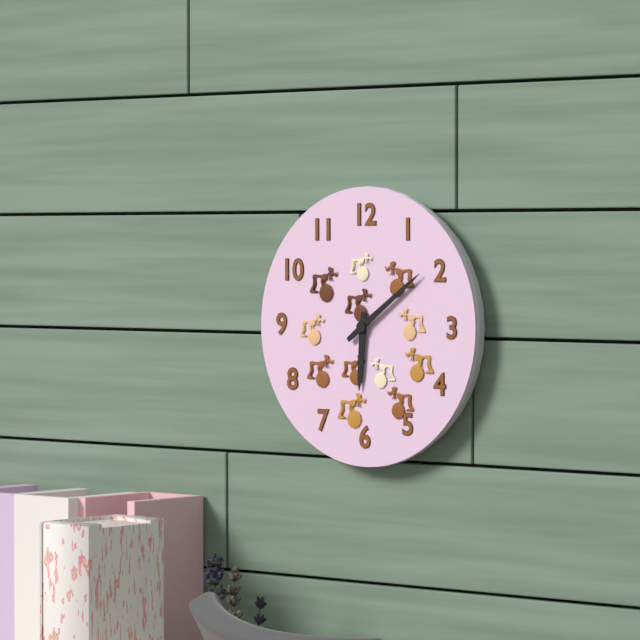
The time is h=6 m=9
